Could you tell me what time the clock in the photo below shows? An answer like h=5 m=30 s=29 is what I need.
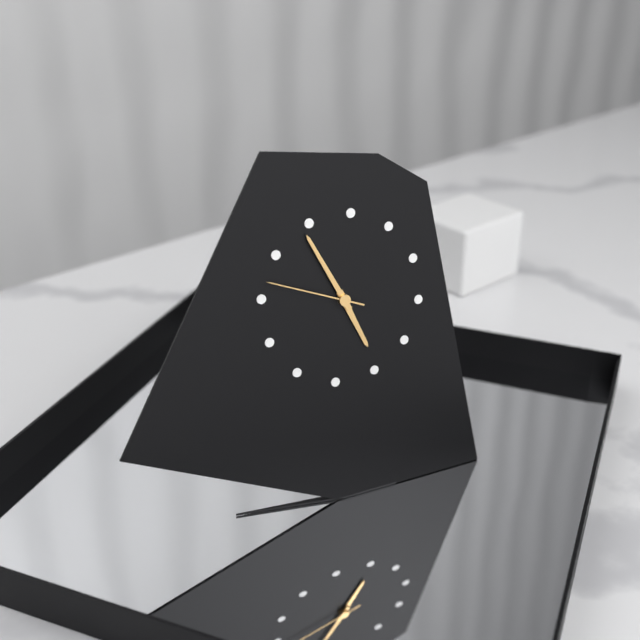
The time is h=4 m=54 s=47
